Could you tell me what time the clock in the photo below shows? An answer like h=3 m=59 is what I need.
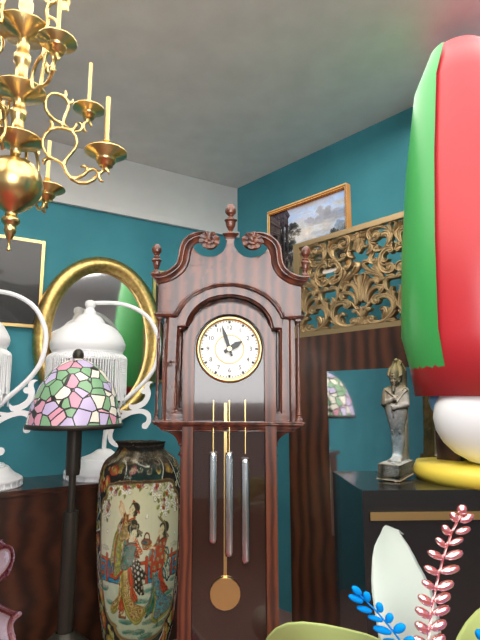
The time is h=1 m=57
